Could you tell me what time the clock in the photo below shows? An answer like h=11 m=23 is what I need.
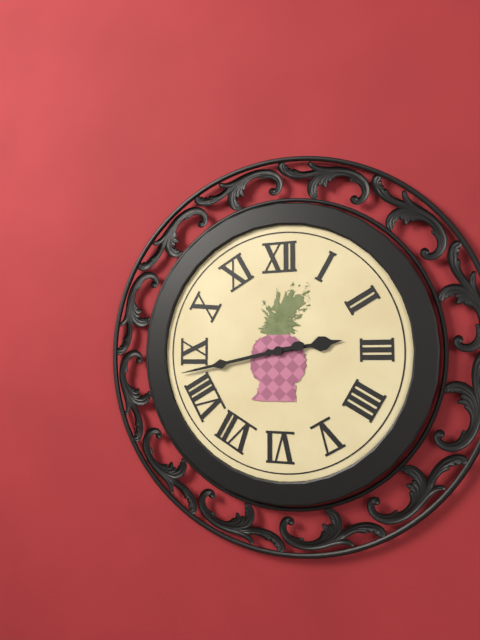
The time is h=2 m=43
